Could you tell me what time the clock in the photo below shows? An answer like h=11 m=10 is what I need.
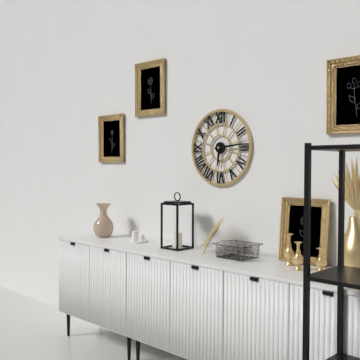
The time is h=6 m=14
